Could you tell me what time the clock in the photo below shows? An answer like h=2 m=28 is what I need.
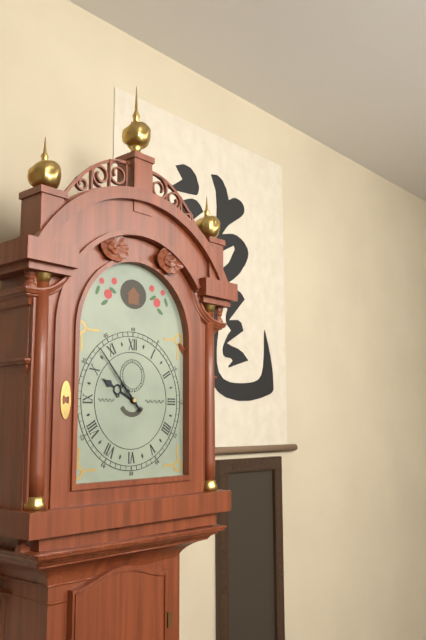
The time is h=9 m=53
